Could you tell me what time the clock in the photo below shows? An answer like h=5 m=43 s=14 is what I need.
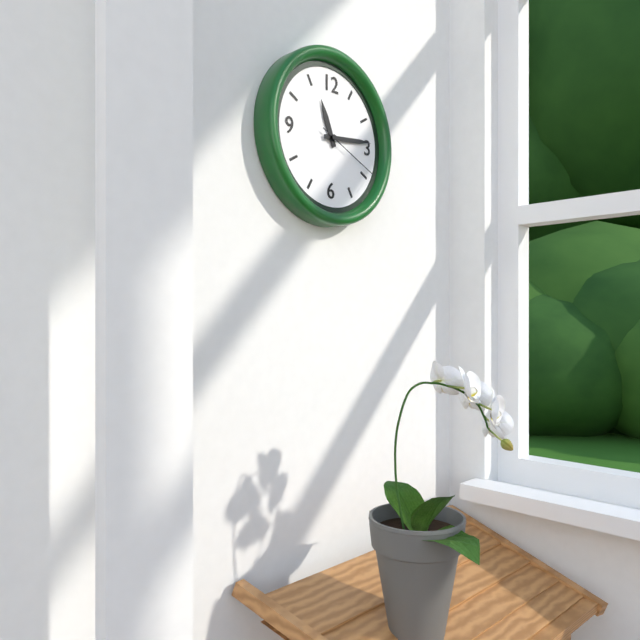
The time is h=11 m=14 s=19
